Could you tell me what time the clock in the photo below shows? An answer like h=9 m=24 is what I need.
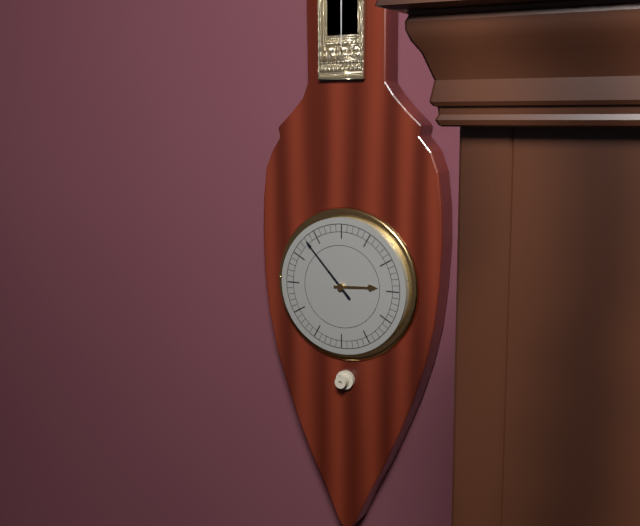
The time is h=2 m=53
